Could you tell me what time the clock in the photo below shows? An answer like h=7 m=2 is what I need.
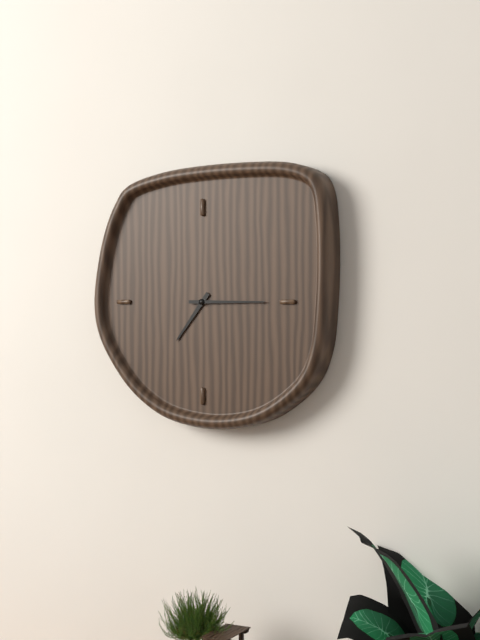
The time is h=7 m=15
